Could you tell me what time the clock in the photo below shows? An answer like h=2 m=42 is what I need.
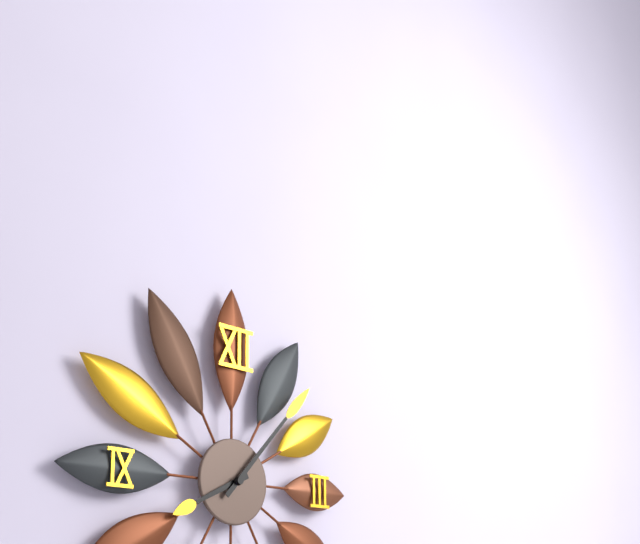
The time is h=8 m=7
